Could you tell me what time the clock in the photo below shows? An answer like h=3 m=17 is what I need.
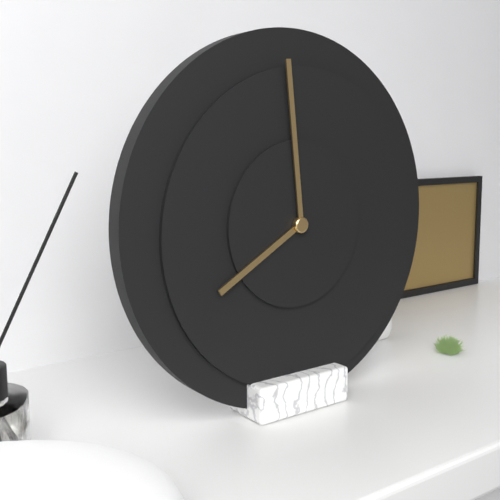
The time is h=7 m=59
